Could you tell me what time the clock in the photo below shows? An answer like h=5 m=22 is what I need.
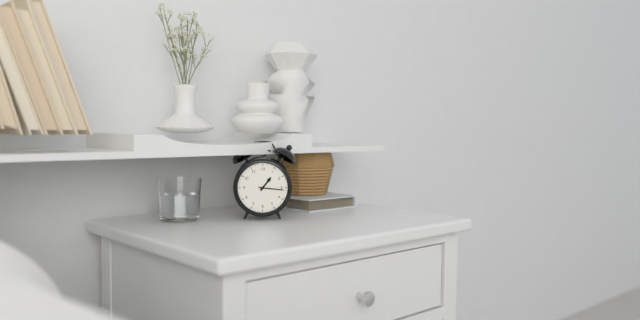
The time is h=1 m=16
